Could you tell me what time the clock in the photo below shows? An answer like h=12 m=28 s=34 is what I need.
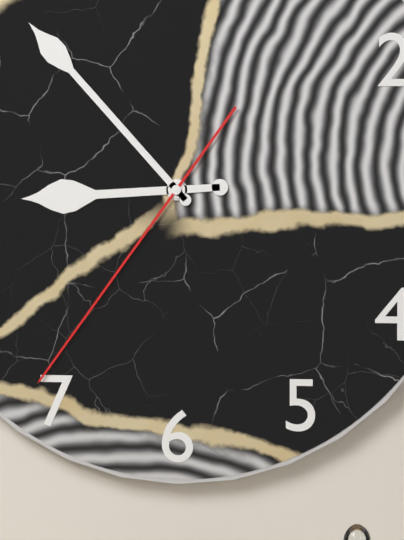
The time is h=8 m=53 s=36
